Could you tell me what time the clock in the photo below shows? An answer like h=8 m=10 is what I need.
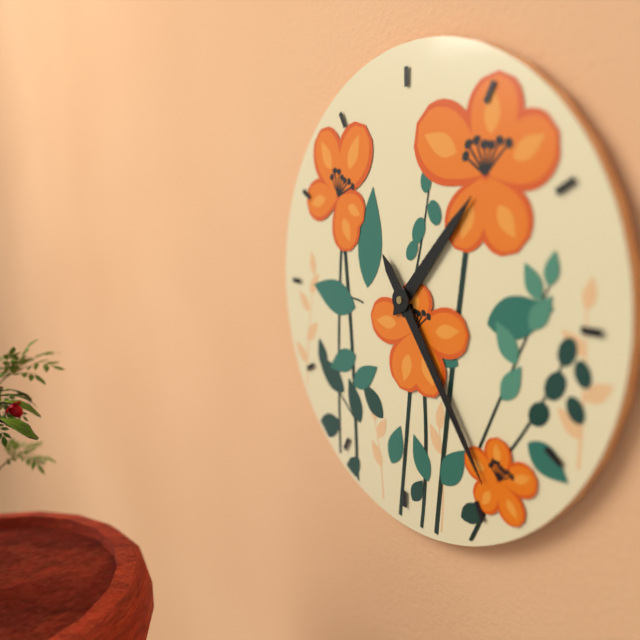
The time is h=1 m=24
